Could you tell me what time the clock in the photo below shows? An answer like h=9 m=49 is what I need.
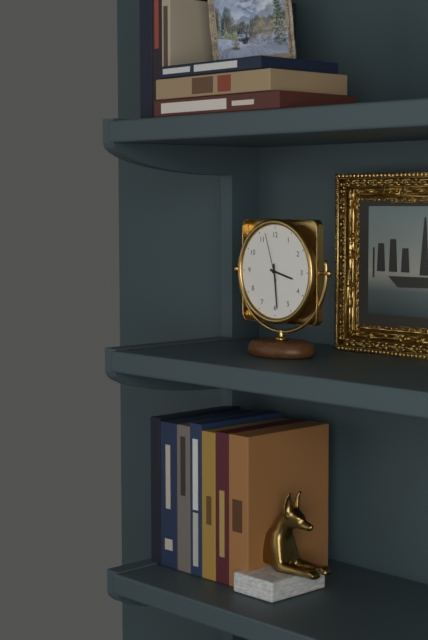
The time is h=3 m=29
